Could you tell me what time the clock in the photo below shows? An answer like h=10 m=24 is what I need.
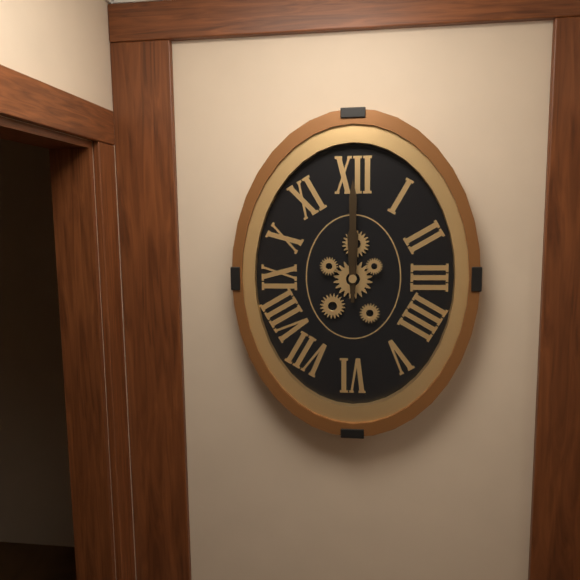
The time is h=12 m=0
